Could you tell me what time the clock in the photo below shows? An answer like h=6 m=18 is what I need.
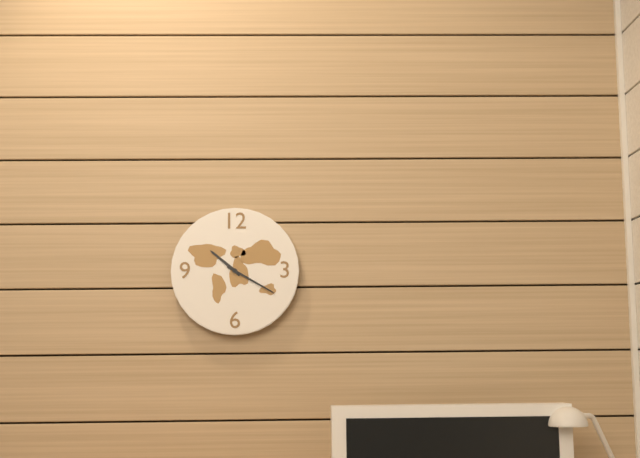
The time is h=10 m=20
